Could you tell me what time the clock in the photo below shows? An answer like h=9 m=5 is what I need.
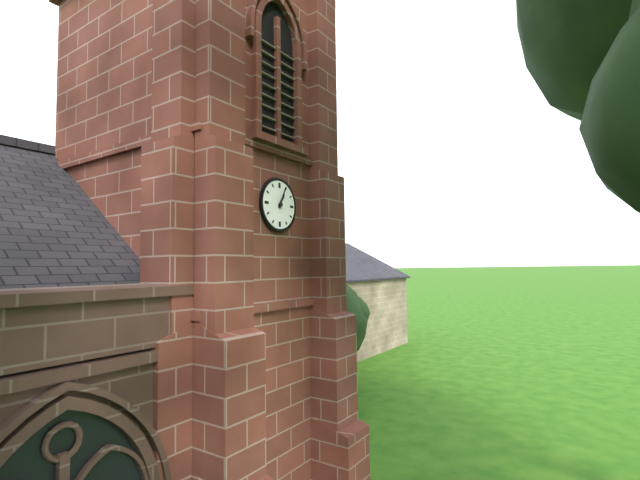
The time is h=1 m=4
